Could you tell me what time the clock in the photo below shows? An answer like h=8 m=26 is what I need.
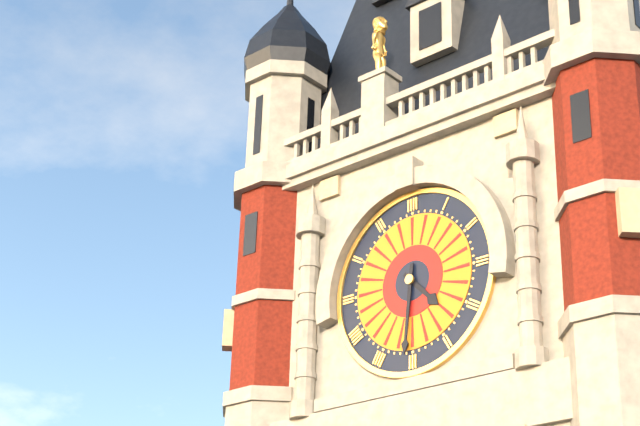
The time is h=4 m=31
